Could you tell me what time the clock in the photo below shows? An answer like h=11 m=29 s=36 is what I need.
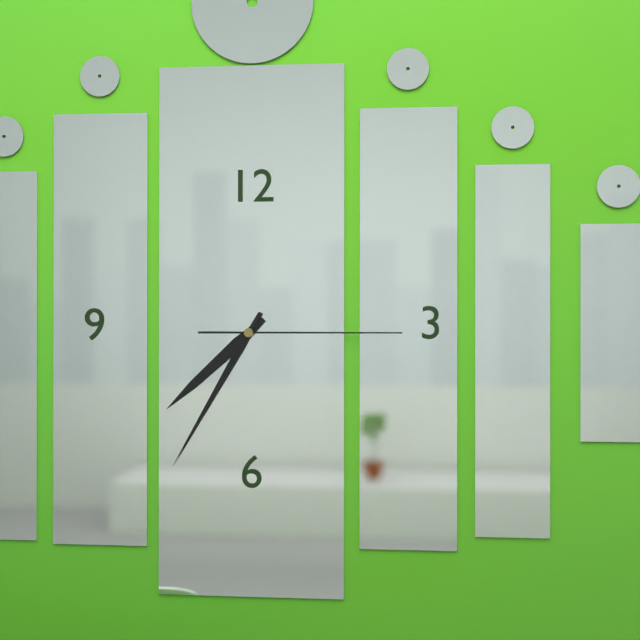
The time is h=7 m=35 s=15
